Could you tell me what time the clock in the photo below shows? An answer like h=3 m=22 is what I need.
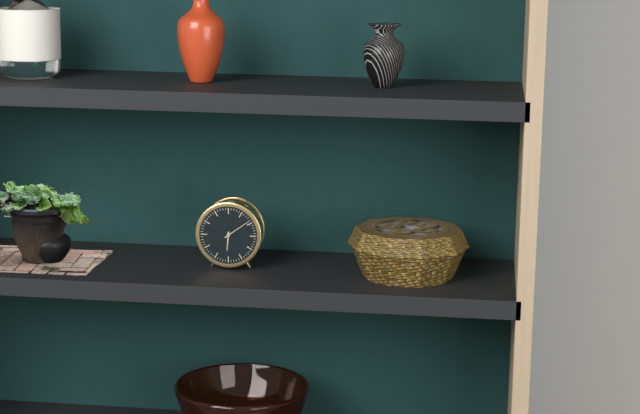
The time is h=6 m=9
